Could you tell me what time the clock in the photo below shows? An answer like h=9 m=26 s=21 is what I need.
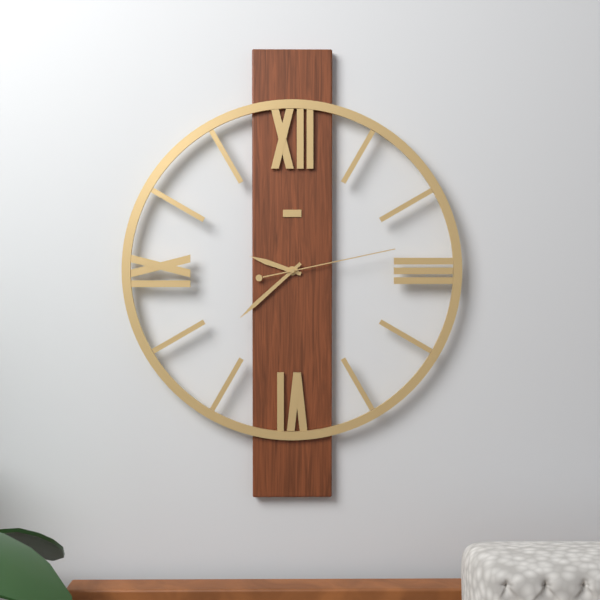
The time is h=9 m=38 s=13
